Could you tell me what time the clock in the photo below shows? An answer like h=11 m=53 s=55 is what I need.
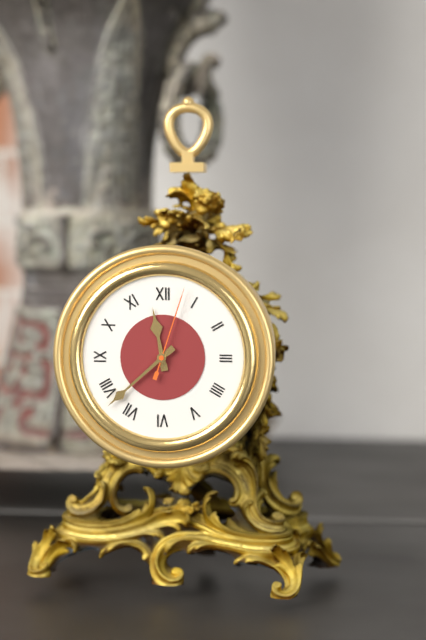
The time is h=11 m=38 s=3
